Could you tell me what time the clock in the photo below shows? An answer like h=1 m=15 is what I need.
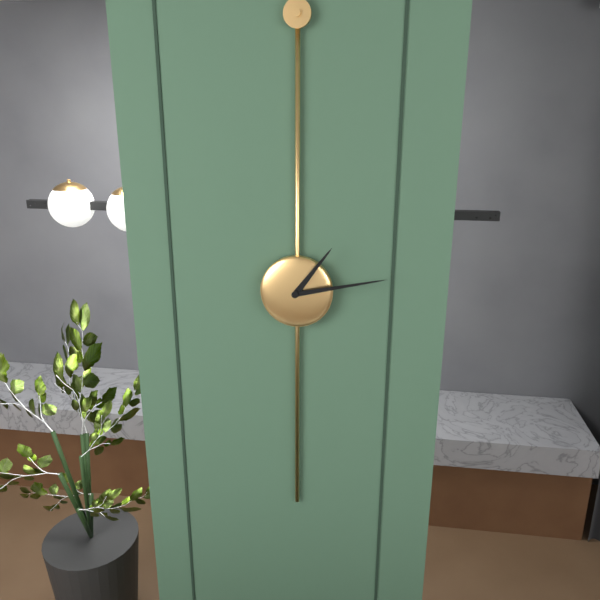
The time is h=1 m=13
